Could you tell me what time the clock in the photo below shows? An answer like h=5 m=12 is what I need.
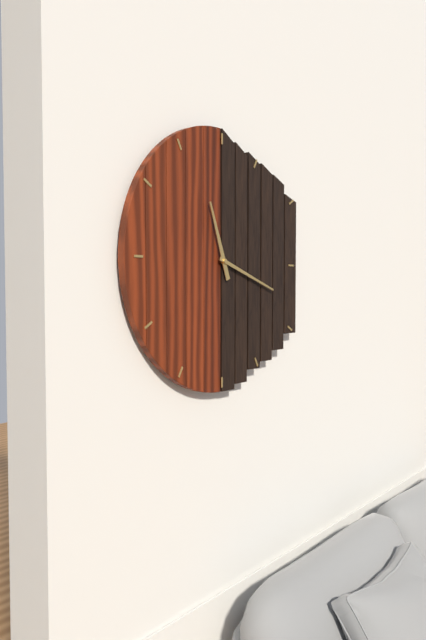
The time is h=11 m=18
